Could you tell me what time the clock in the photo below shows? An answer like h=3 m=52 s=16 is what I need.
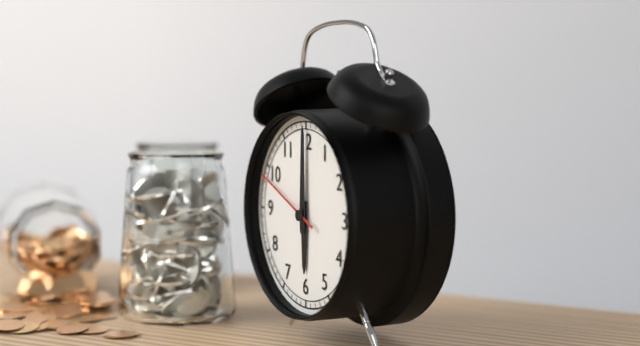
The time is h=6 m=0 s=49
